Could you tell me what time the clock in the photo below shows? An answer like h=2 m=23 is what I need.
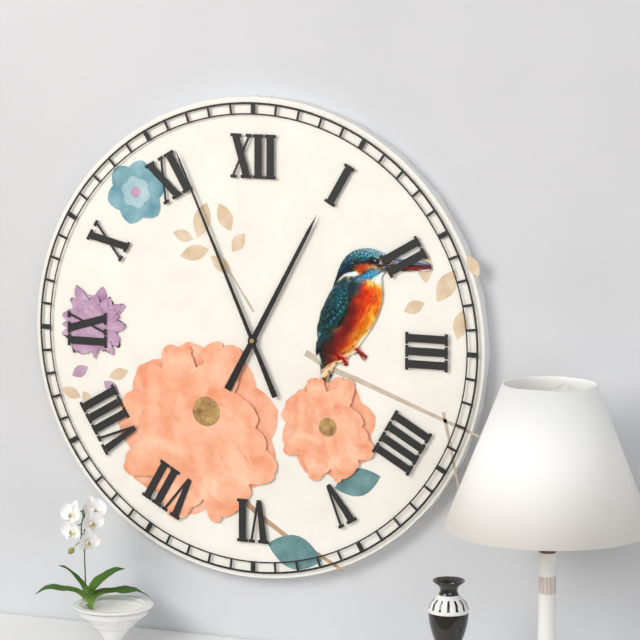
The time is h=12 m=56
